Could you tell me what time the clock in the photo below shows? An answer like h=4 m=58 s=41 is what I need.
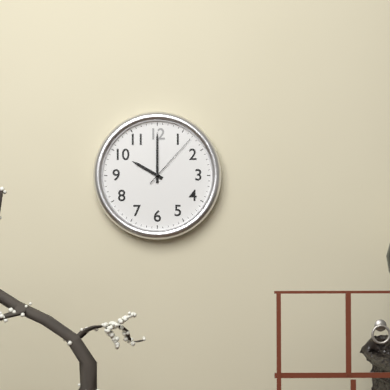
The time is h=10 m=0 s=7
